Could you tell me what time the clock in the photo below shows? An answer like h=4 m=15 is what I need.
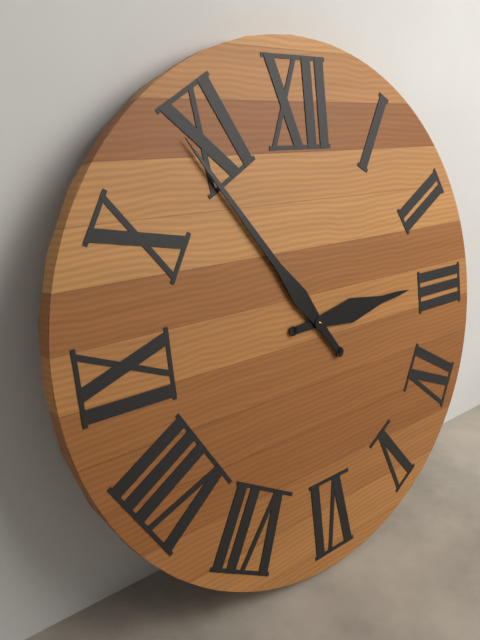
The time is h=2 m=54
